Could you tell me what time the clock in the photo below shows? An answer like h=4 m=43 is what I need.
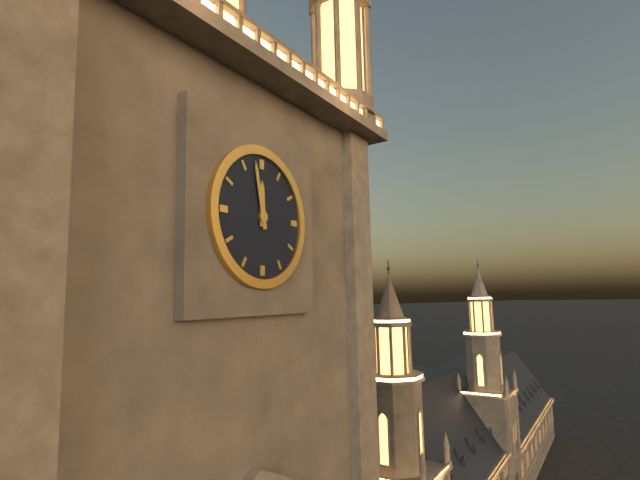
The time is h=11 m=58
